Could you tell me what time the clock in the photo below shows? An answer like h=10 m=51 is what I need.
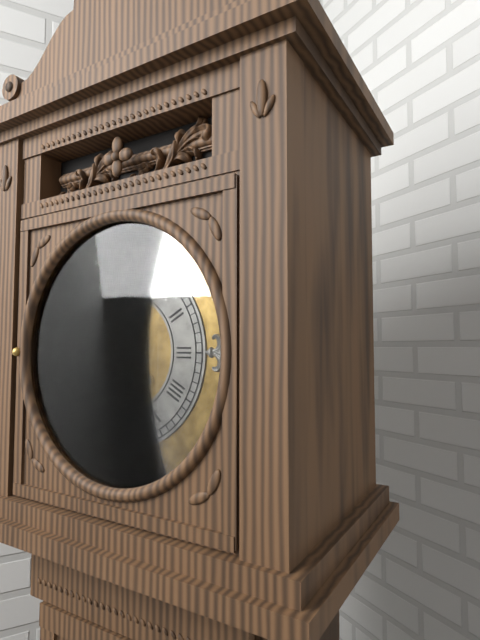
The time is h=12 m=30
